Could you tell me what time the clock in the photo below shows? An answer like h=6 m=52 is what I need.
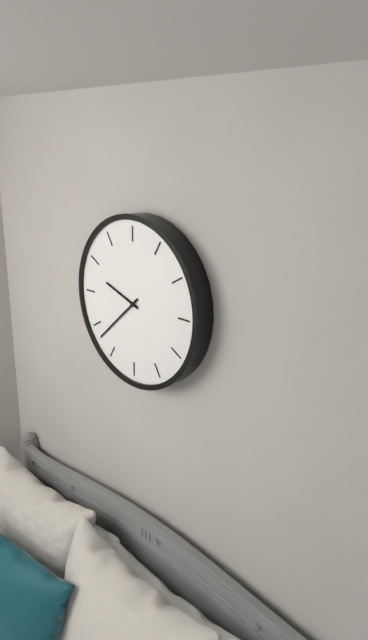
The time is h=9 m=38
